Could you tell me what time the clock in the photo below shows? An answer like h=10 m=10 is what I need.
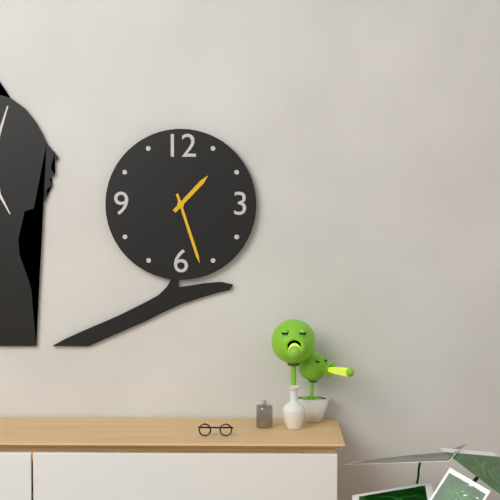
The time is h=1 m=27
